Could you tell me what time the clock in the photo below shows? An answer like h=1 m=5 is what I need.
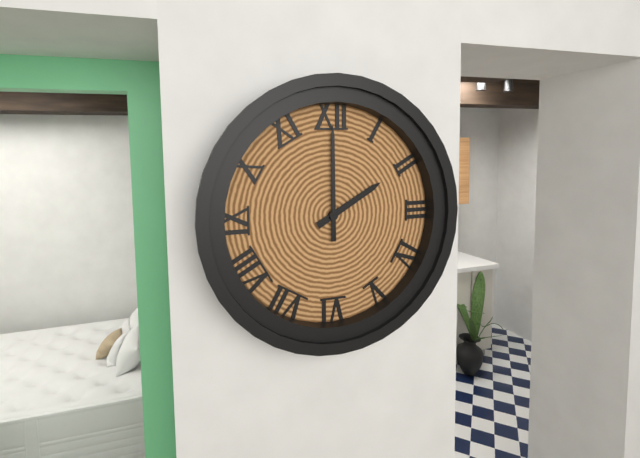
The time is h=2 m=0
